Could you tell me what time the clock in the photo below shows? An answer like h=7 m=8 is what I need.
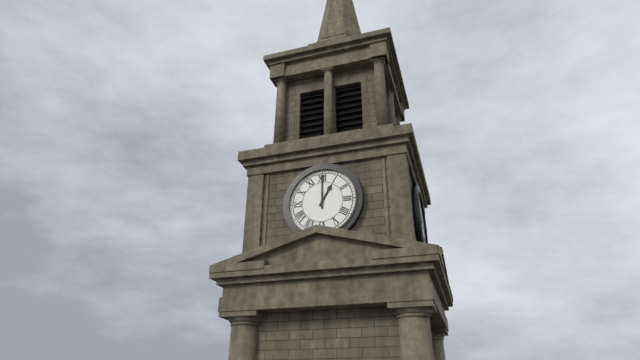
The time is h=1 m=0
